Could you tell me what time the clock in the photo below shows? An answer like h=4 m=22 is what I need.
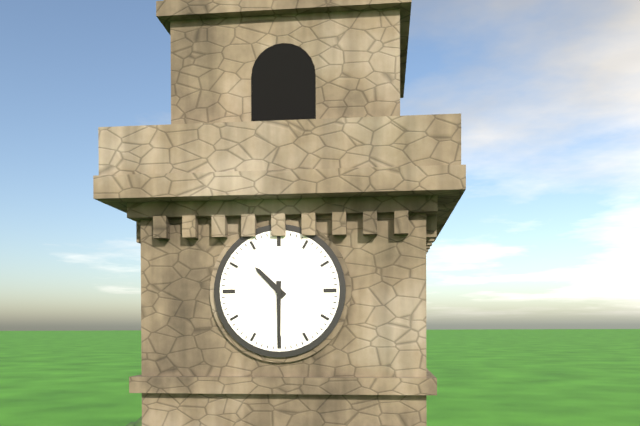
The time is h=10 m=30
